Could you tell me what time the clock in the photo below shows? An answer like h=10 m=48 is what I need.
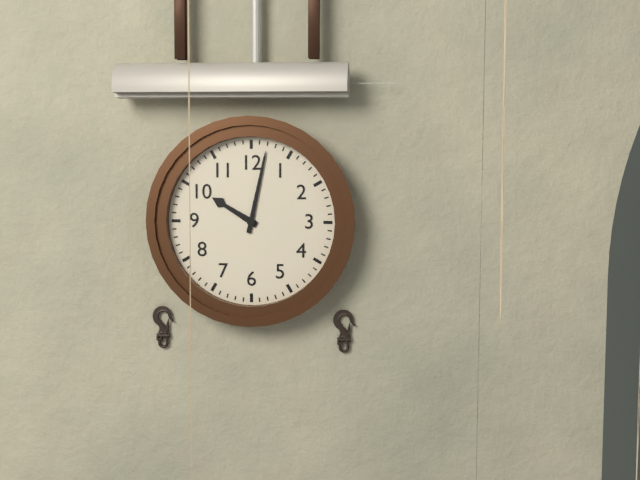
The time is h=10 m=2
